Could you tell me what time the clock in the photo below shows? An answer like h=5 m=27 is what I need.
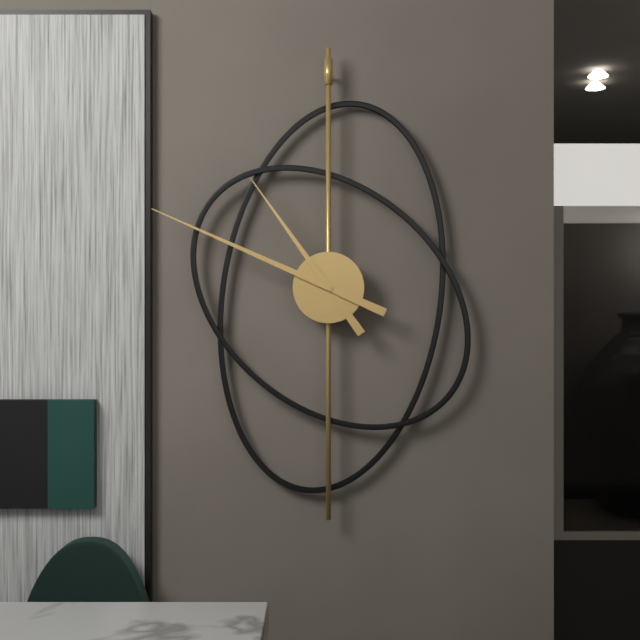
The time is h=10 m=49
